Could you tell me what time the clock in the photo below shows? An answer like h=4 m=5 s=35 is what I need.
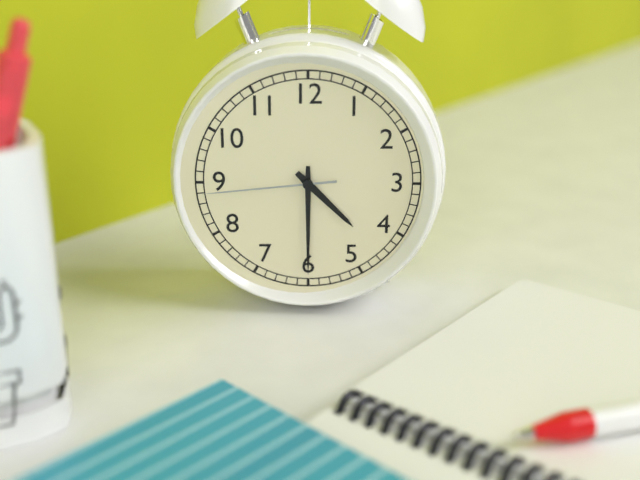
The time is h=4 m=30 s=44
